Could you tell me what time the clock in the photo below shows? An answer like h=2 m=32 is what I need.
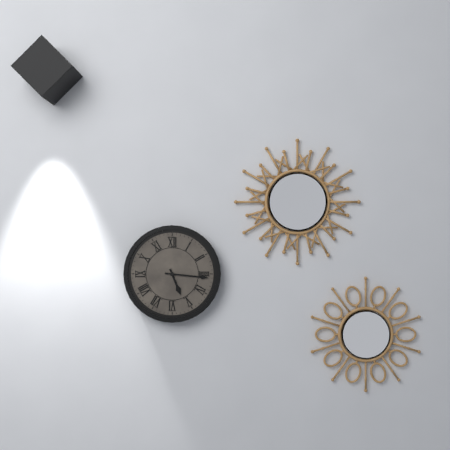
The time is h=5 m=16
